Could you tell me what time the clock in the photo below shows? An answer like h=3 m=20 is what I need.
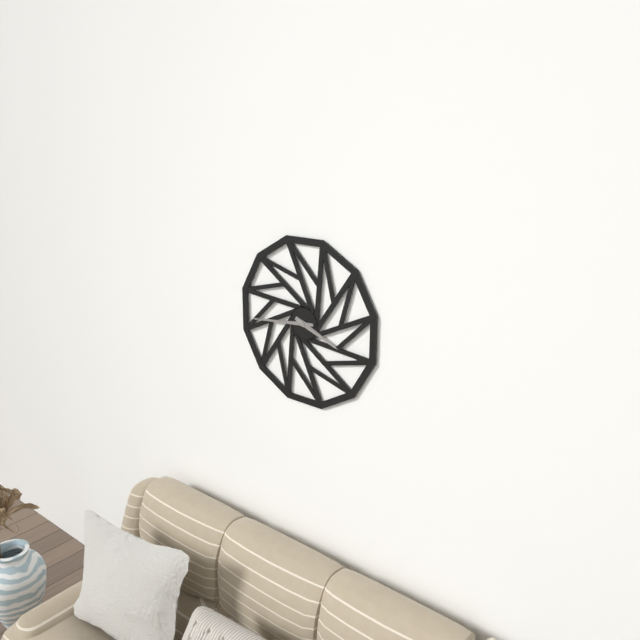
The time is h=3 m=44
